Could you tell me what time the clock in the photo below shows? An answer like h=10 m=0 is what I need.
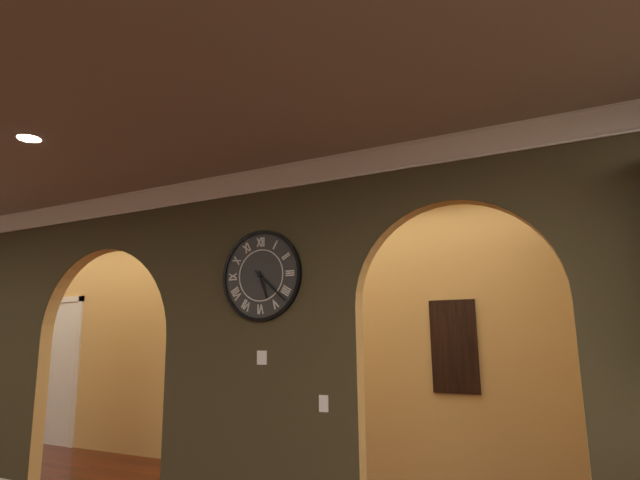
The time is h=5 m=22
